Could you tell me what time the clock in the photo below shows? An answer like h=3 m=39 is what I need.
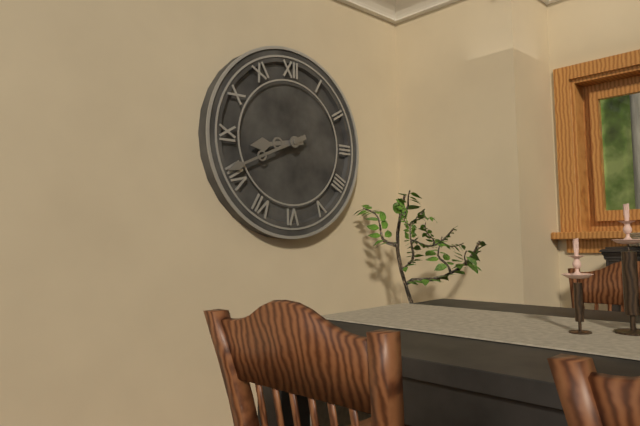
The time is h=8 m=41
